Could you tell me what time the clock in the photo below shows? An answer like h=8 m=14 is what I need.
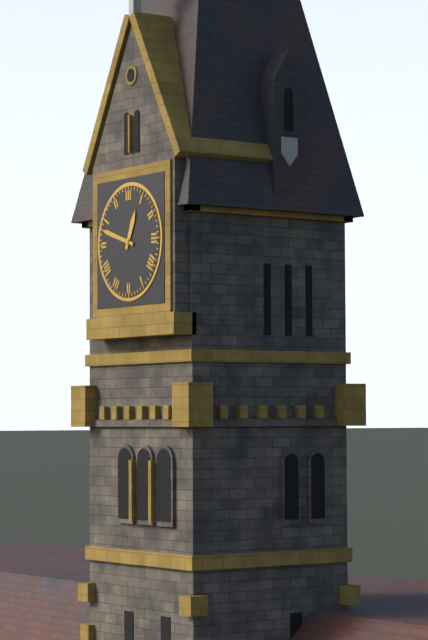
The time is h=12 m=48
